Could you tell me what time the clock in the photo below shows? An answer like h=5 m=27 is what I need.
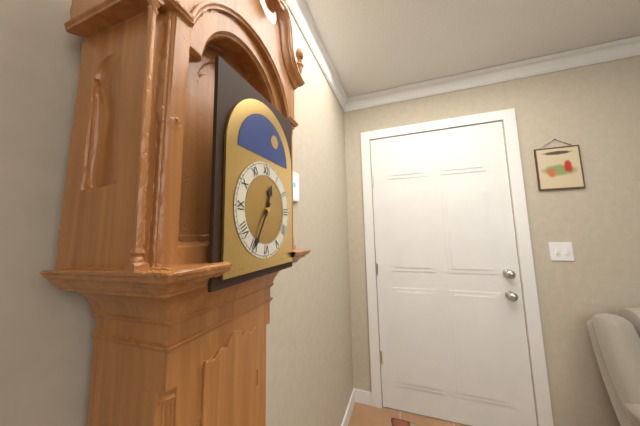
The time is h=12 m=35
